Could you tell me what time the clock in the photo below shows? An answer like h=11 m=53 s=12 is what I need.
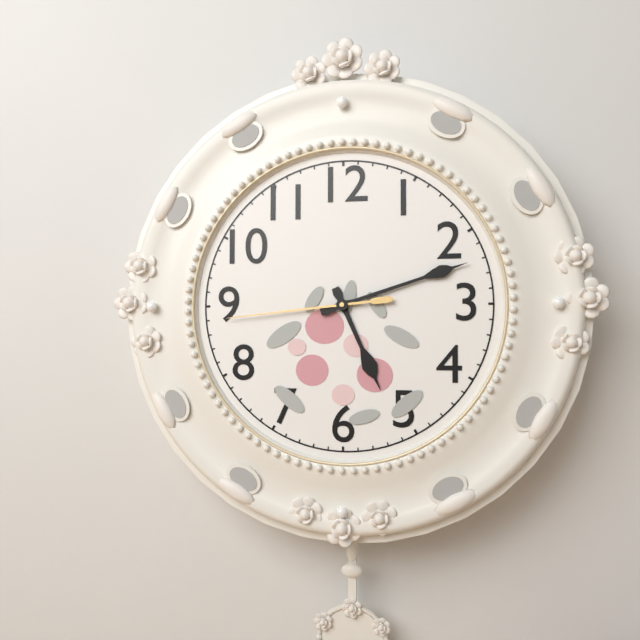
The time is h=5 m=12 s=44
